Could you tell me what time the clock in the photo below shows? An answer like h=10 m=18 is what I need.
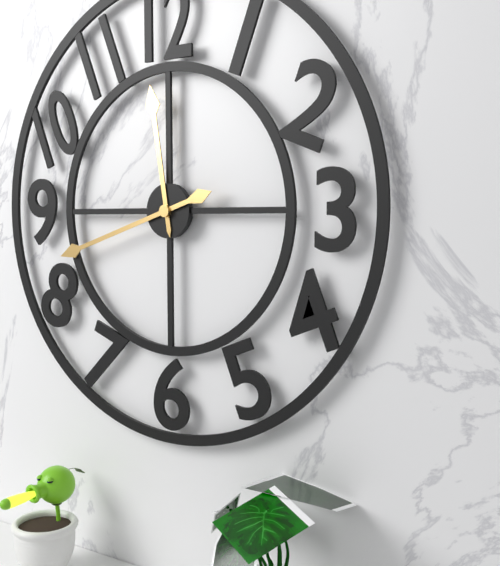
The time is h=11 m=42
